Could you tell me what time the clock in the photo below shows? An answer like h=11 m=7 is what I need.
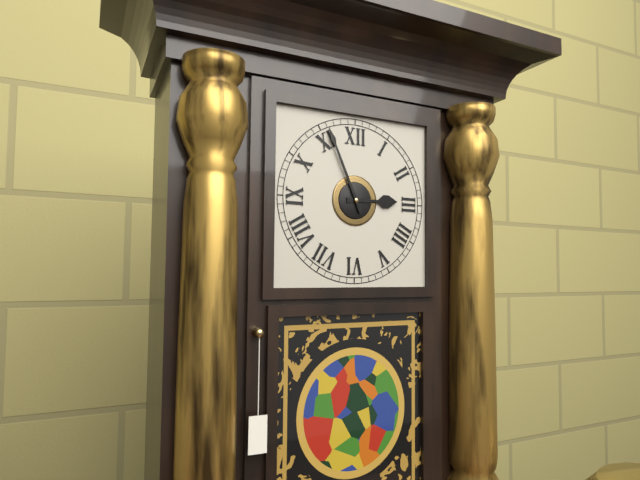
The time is h=2 m=56
